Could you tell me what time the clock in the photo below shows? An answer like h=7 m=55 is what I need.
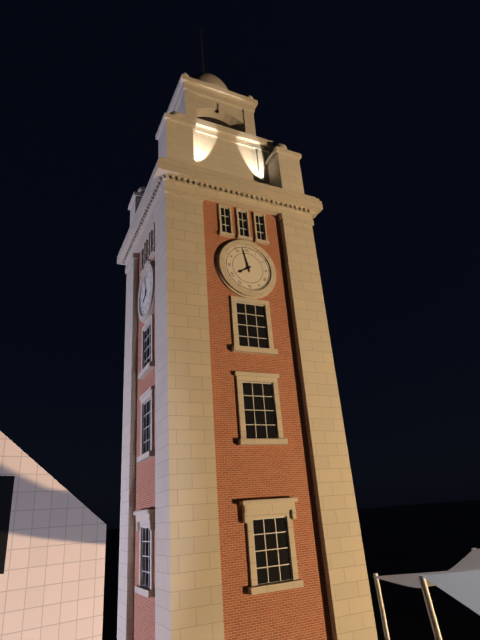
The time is h=7 m=58
